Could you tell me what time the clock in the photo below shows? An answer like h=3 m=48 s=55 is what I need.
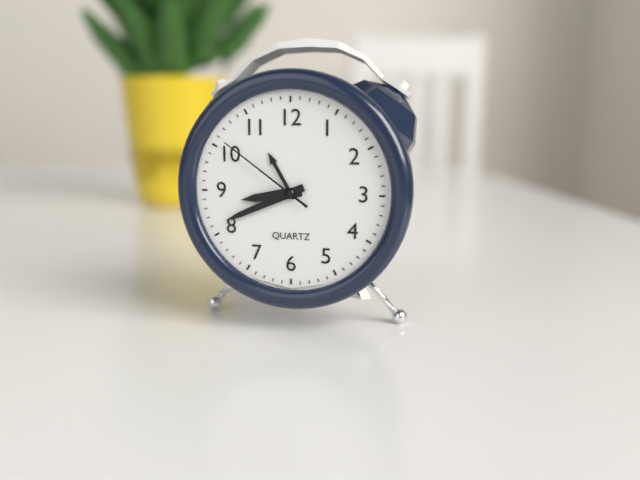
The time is h=8 m=41 s=51
